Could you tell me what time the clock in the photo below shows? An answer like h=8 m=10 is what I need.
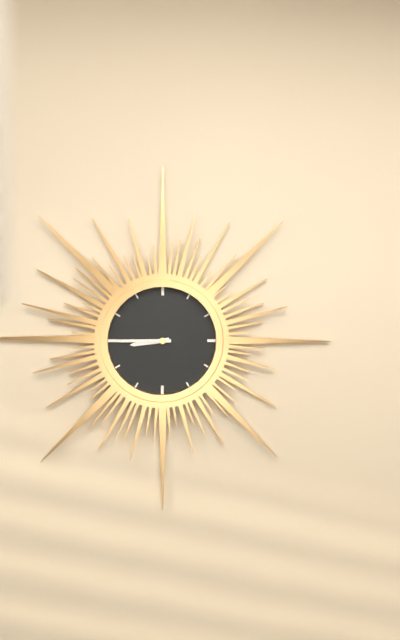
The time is h=8 m=45
